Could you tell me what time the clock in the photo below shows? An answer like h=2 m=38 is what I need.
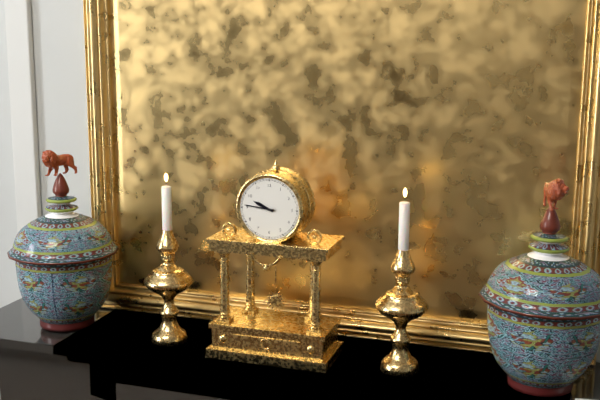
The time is h=9 m=46
